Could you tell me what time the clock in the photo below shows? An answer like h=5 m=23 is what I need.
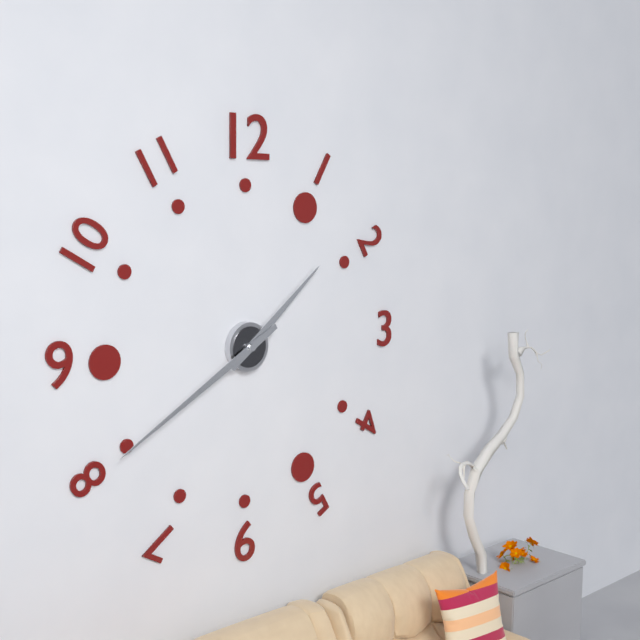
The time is h=1 m=40
